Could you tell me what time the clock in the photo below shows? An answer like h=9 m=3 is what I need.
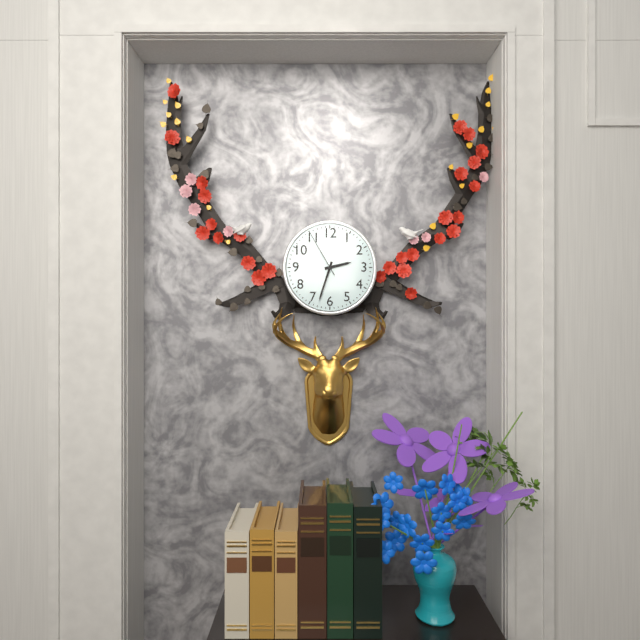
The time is h=2 m=33
